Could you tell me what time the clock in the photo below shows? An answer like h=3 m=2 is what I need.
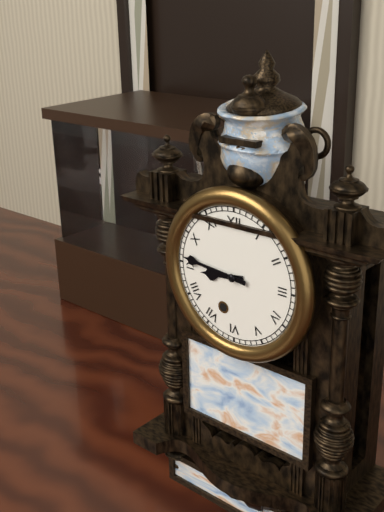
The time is h=8 m=46
